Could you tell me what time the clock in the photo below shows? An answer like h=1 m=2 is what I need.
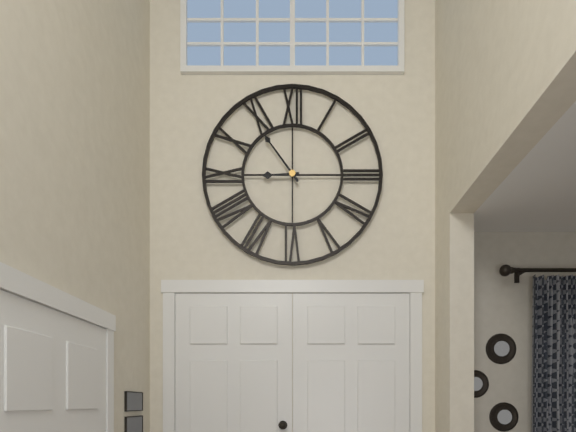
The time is h=8 m=54
